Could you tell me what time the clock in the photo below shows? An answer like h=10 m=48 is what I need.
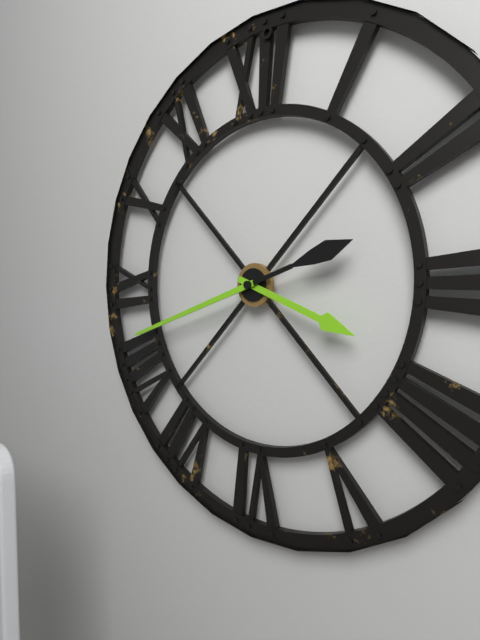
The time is h=3 m=42
